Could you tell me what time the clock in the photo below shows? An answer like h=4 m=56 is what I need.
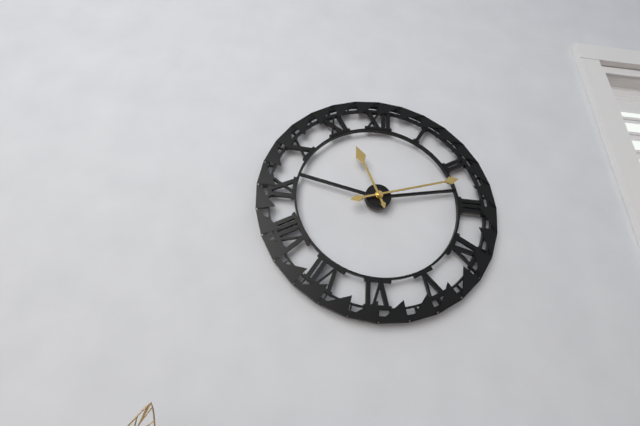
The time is h=11 m=12
